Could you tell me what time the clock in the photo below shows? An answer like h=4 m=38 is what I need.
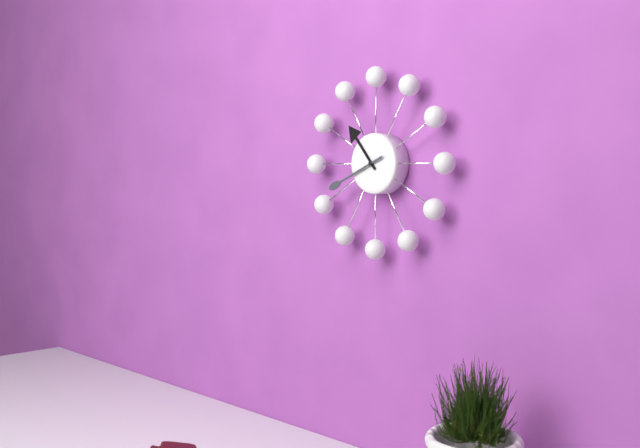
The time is h=10 m=41
